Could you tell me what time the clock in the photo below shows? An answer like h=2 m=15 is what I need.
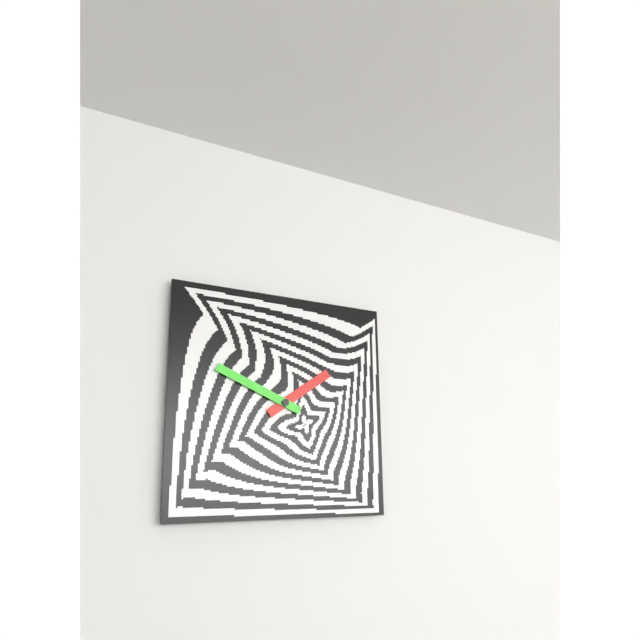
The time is h=1 m=49
